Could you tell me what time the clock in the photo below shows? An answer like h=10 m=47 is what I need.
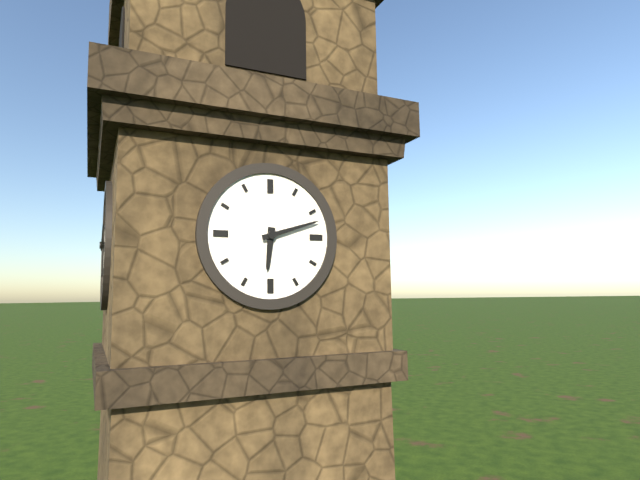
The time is h=6 m=12
